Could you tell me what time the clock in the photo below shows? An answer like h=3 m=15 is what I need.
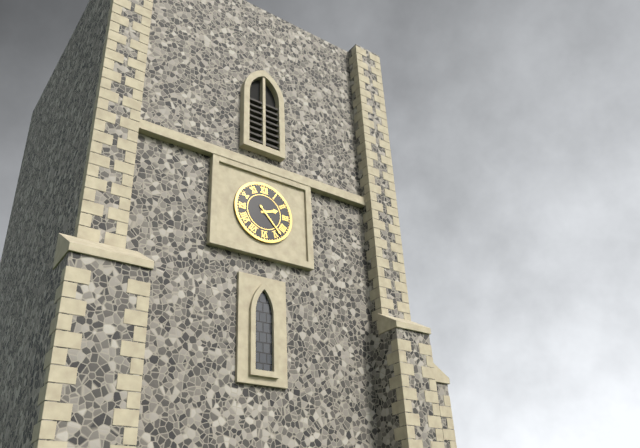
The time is h=2 m=23
